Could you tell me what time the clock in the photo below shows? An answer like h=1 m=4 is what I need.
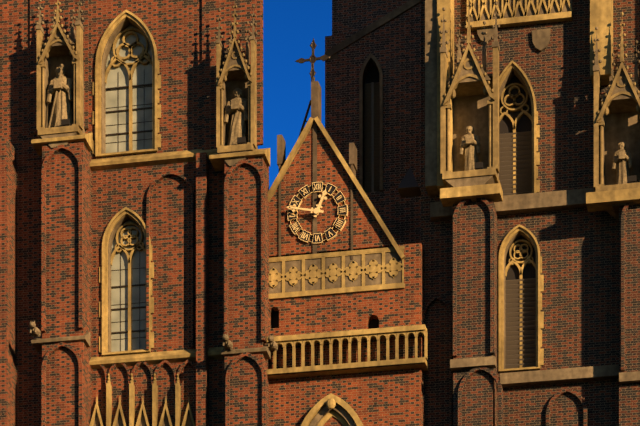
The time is h=12 m=47
